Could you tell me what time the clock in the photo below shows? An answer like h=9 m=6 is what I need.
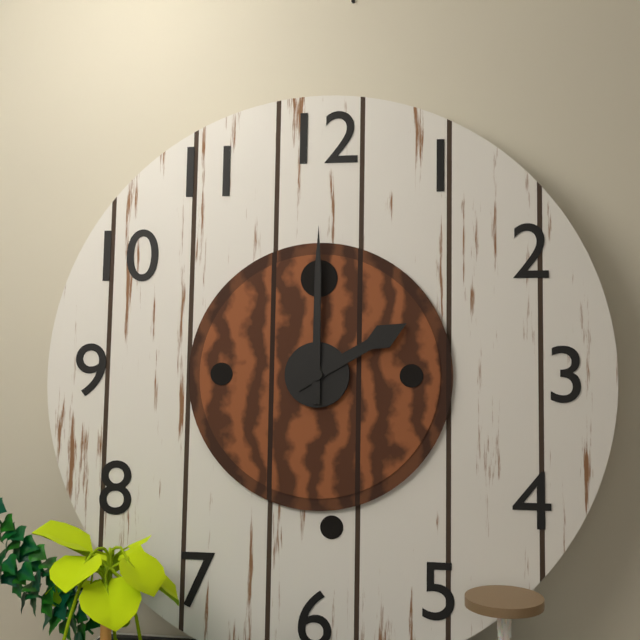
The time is h=2 m=0
